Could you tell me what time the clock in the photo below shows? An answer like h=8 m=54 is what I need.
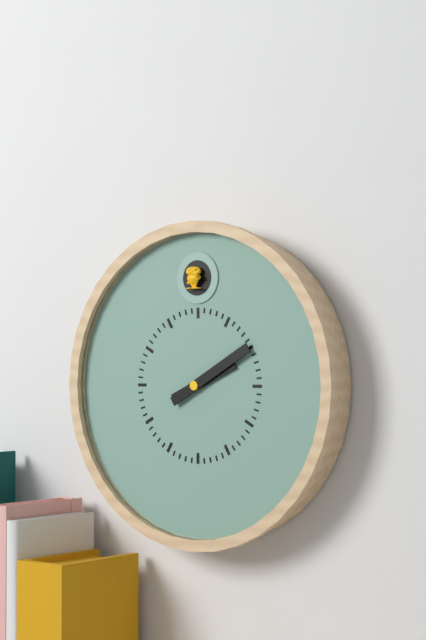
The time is h=2 m=10
